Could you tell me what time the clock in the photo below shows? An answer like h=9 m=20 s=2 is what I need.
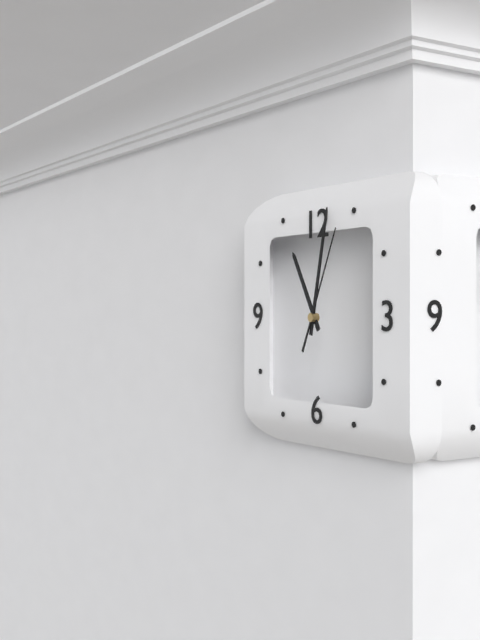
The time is h=11 m=2 s=4
